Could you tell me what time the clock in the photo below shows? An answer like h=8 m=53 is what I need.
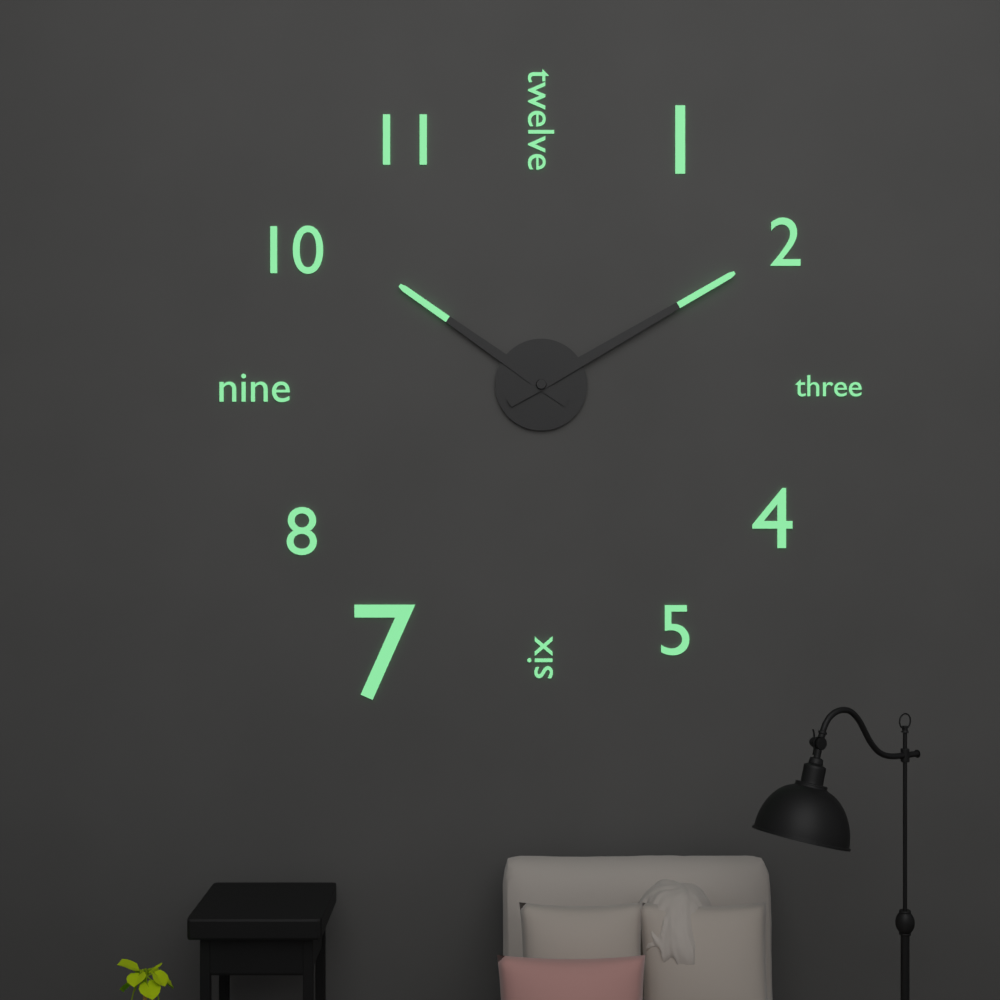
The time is h=10 m=10
